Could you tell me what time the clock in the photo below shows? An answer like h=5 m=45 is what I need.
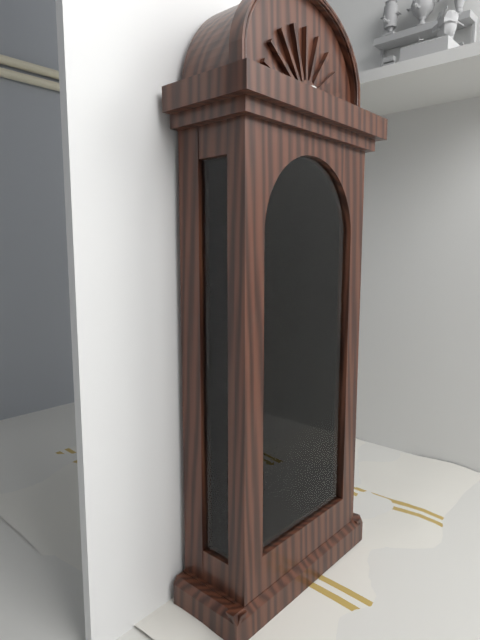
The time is h=8 m=3
